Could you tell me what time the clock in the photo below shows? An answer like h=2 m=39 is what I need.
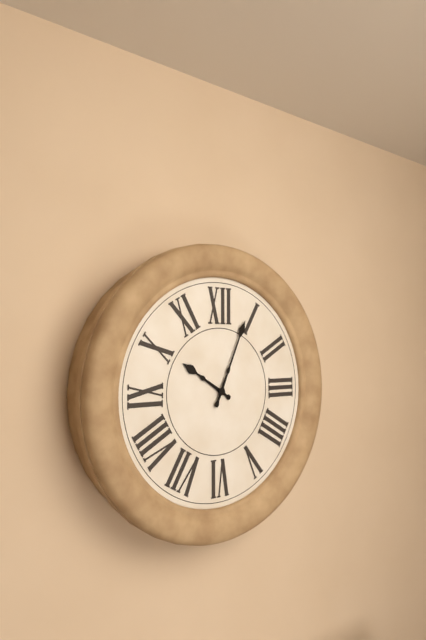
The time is h=10 m=4
